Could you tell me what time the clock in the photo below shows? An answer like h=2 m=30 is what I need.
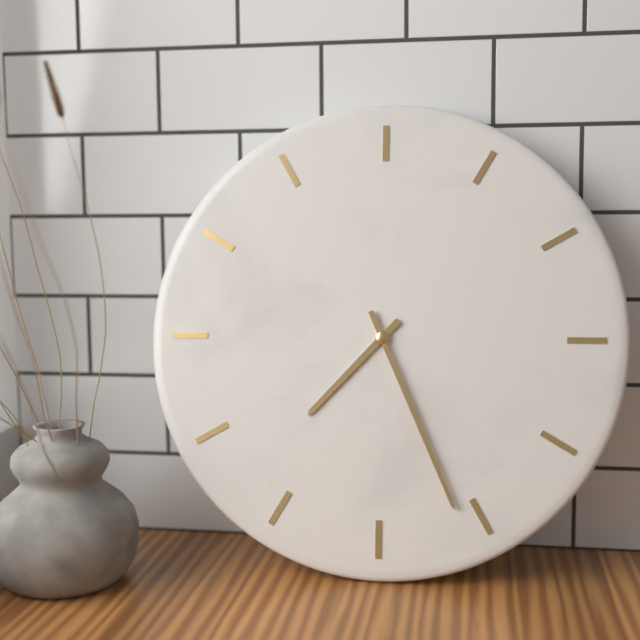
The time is h=7 m=26
